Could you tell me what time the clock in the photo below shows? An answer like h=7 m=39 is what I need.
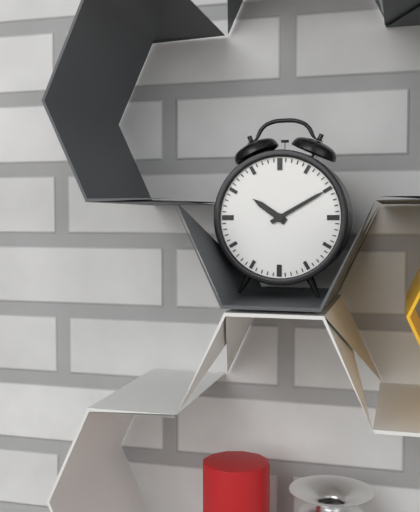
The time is h=10 m=10
